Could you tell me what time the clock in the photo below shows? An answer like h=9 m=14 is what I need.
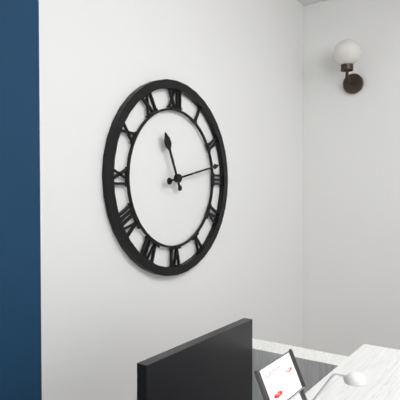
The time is h=11 m=13
